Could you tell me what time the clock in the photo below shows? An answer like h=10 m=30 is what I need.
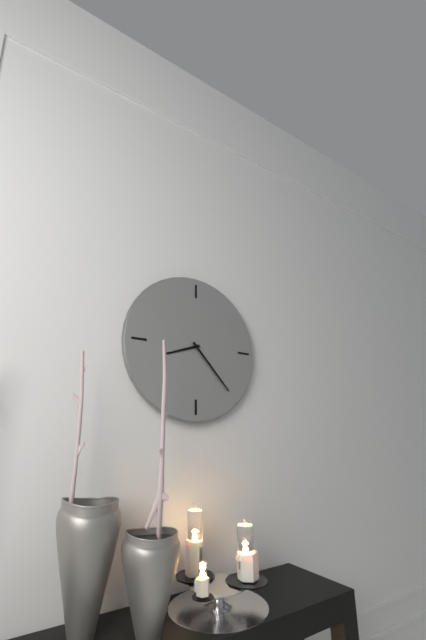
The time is h=8 m=23
